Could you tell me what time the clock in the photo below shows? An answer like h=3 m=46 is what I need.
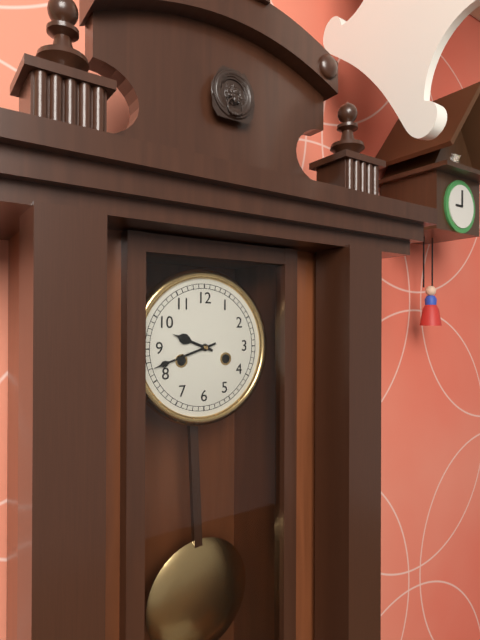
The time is h=9 m=42
